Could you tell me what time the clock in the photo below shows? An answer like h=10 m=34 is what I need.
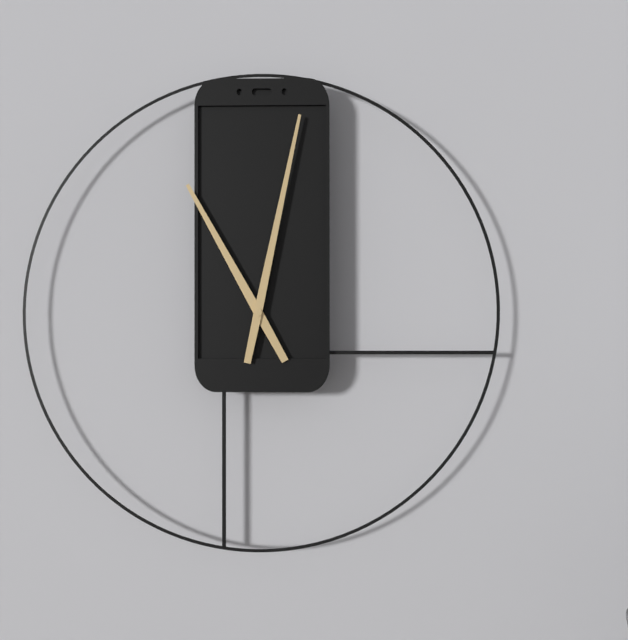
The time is h=11 m=2
